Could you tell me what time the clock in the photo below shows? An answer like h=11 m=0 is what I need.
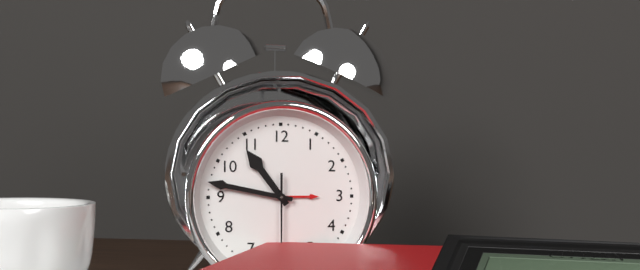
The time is h=10 m=47
